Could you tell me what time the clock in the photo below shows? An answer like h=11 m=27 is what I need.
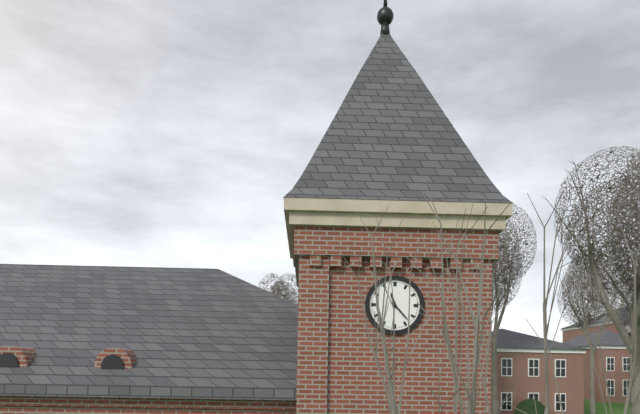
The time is h=11 m=23
